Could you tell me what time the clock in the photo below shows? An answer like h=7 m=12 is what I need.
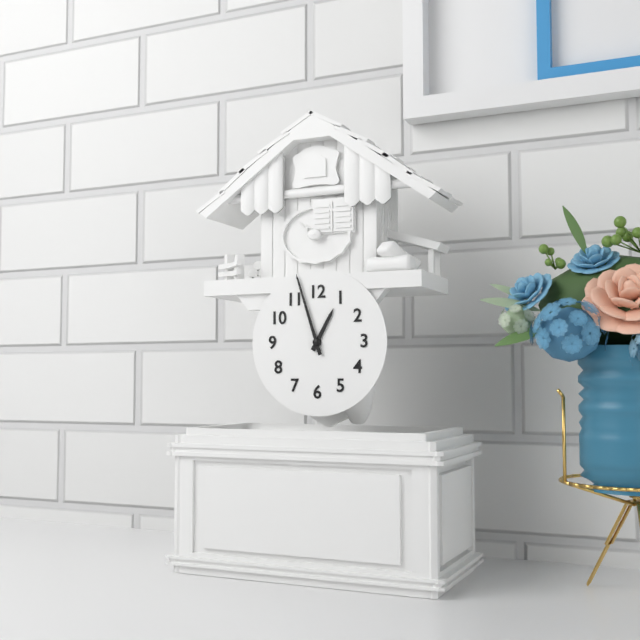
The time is h=12 m=57
